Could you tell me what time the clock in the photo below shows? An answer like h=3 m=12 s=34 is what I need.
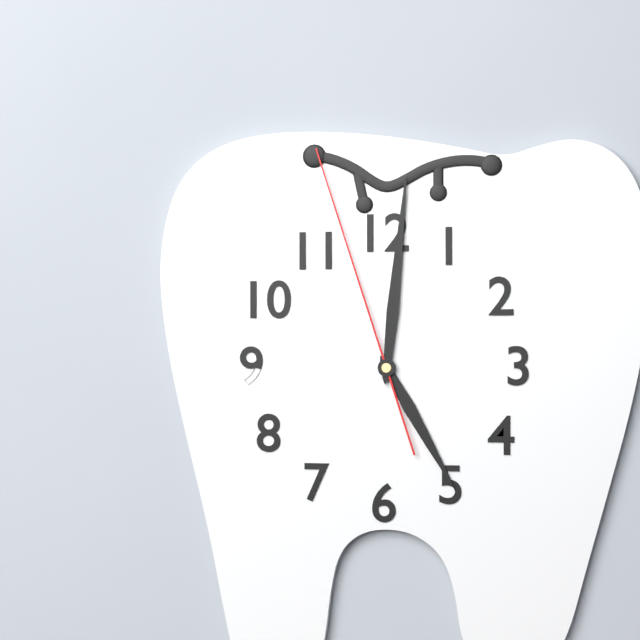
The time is h=5 m=1 s=57
